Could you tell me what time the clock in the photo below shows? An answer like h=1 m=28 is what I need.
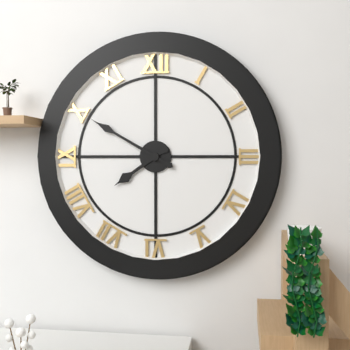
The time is h=7 m=50
